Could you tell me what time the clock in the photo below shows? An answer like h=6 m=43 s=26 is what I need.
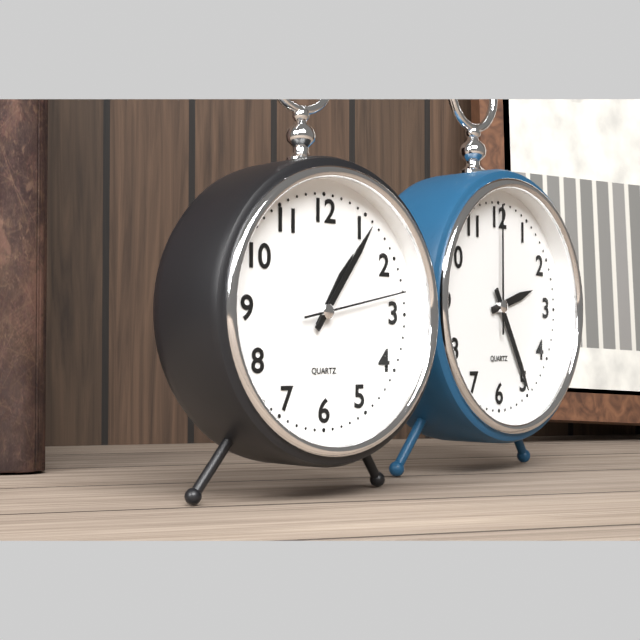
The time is h=1 m=6 s=13
